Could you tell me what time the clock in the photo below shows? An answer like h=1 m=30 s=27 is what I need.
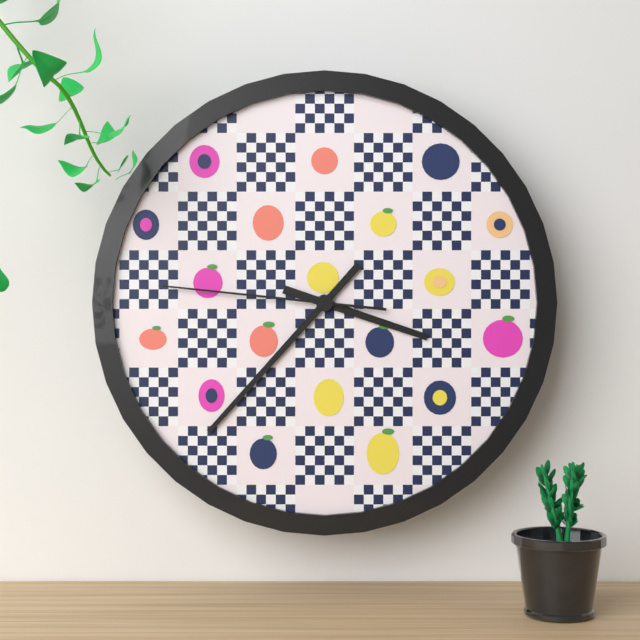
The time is h=3 m=37 s=46
